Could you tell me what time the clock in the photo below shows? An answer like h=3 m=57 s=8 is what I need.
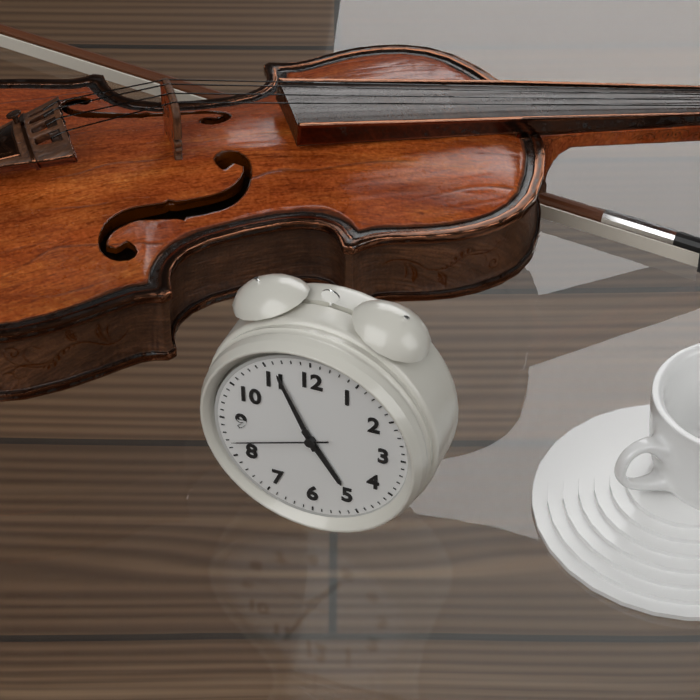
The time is h=4 m=56 s=42
